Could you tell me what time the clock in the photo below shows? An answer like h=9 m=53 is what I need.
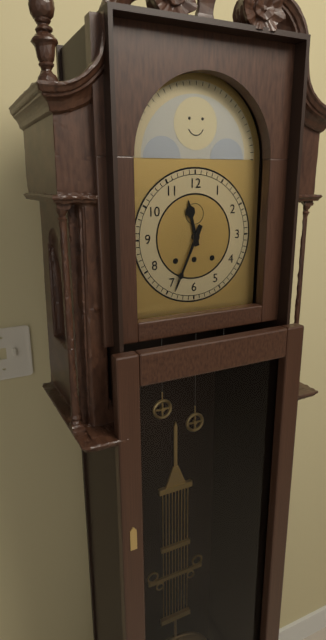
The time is h=11 m=34
